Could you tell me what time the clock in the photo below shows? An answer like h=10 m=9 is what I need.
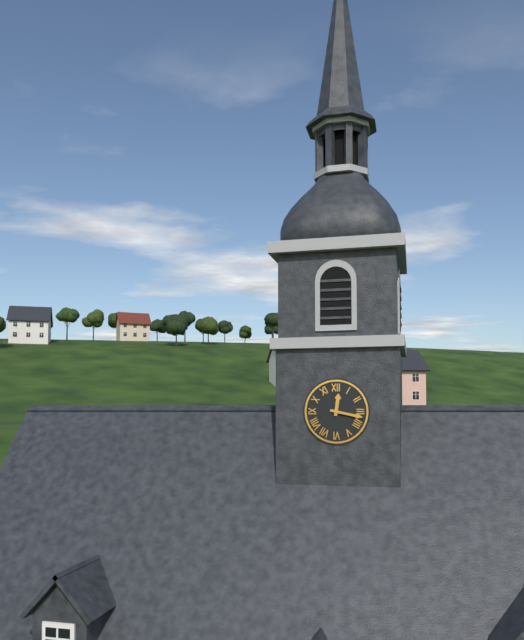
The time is h=12 m=17
